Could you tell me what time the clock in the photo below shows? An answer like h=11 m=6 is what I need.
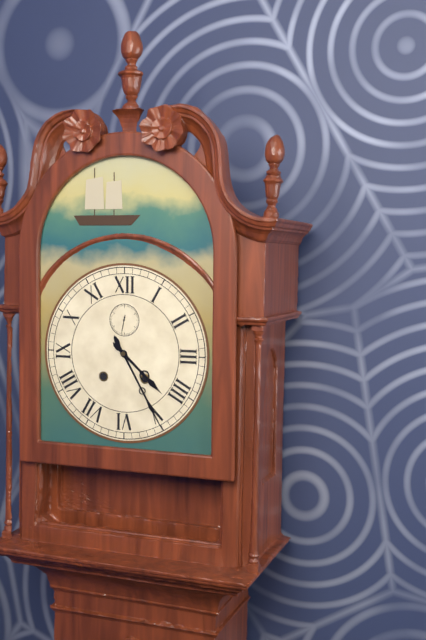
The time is h=4 m=25
